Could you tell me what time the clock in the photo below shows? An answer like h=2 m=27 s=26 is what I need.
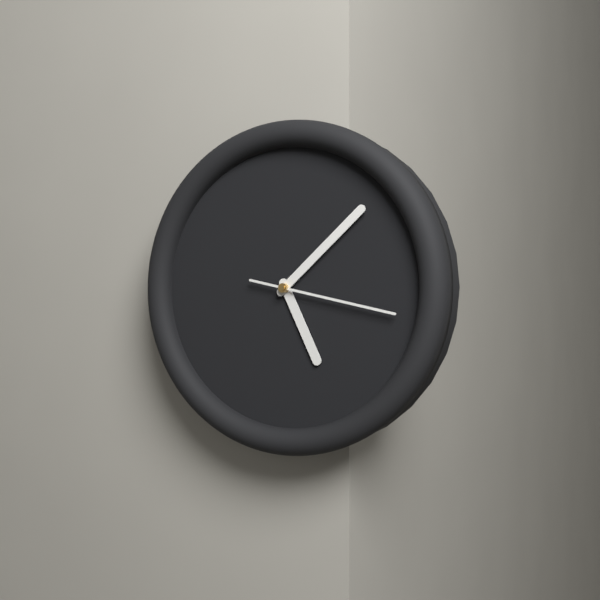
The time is h=5 m=8 s=17
